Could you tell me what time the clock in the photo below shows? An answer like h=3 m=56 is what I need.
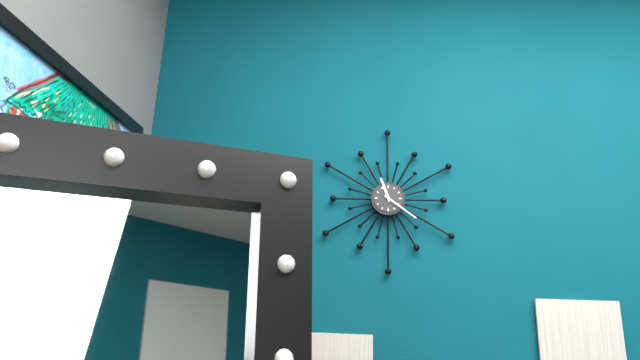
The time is h=11 m=21
